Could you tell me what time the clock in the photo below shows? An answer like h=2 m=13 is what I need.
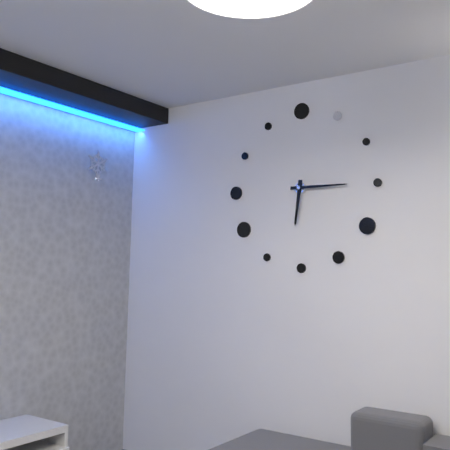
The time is h=6 m=15
